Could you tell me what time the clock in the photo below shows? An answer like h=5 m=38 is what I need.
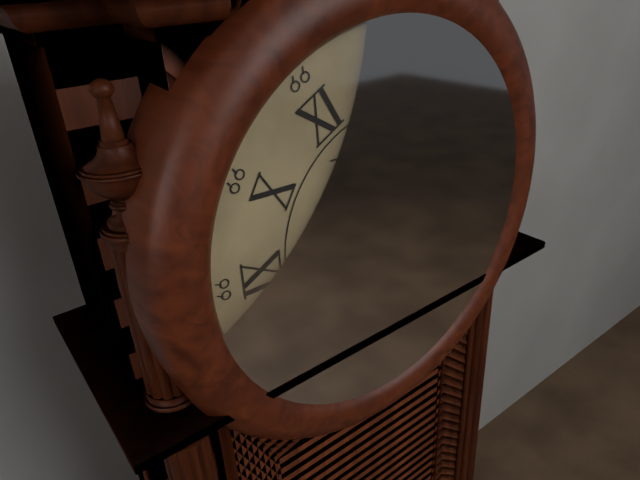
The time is h=4 m=25
